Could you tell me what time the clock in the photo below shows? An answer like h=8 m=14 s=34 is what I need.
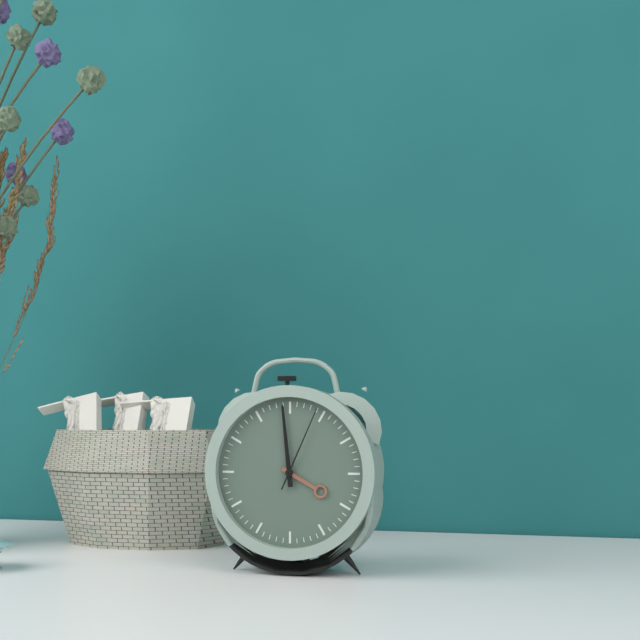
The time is h=3 m=59 s=4
